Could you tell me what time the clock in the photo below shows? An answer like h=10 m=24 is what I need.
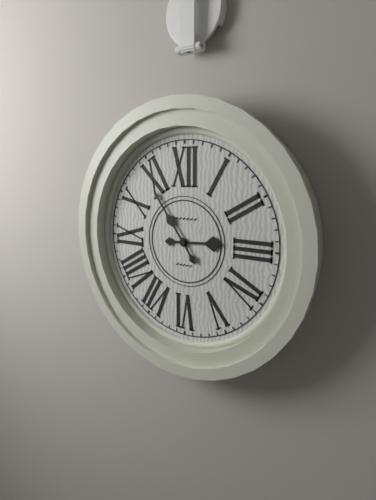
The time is h=2 m=54
